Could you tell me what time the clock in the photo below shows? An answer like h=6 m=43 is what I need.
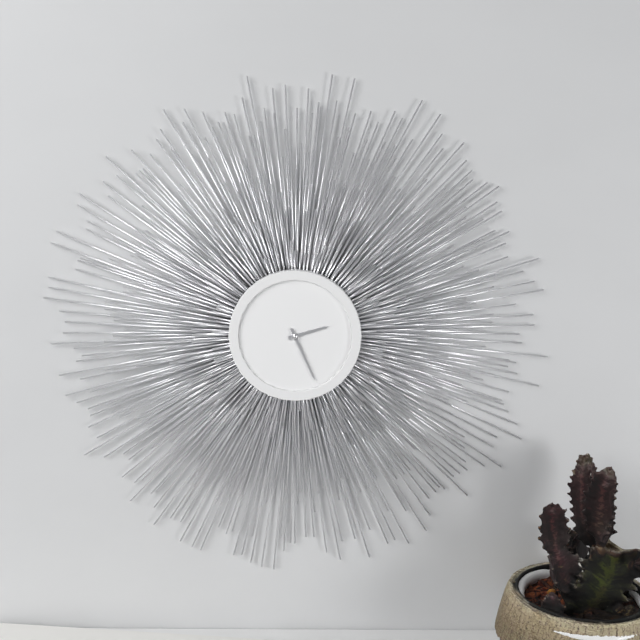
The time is h=2 m=26
